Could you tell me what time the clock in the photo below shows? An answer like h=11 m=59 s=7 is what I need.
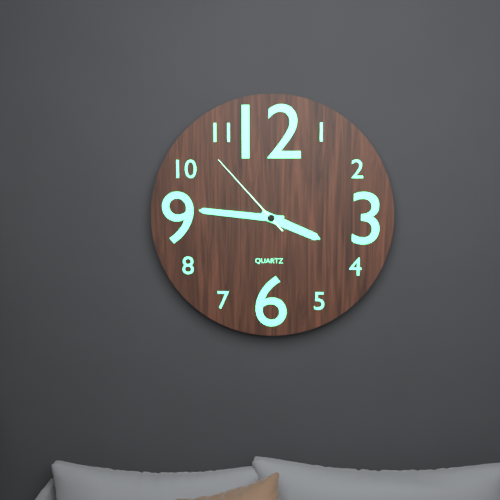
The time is h=3 m=46 s=53
